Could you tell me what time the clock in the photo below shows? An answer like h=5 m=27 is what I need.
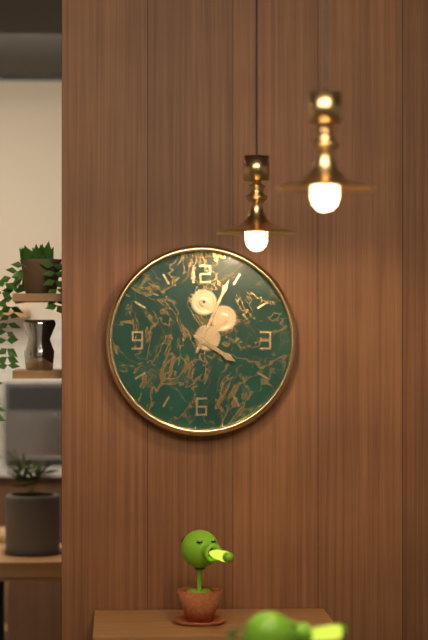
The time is h=4 m=4
